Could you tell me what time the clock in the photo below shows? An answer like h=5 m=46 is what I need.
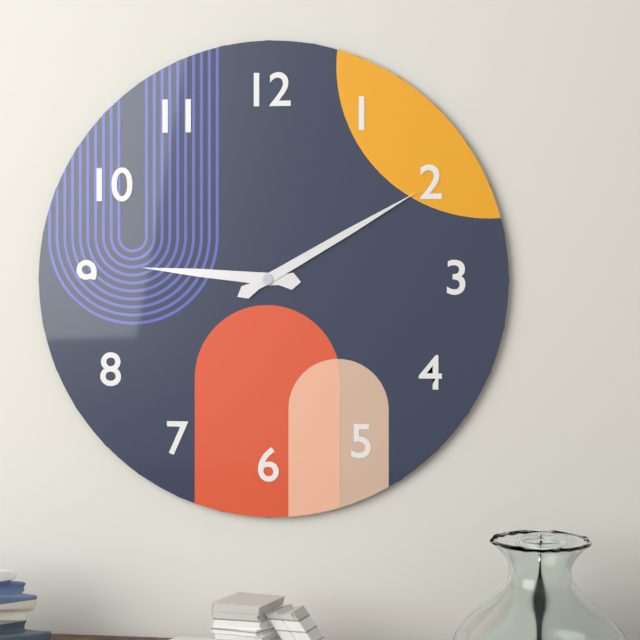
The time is h=9 m=10
